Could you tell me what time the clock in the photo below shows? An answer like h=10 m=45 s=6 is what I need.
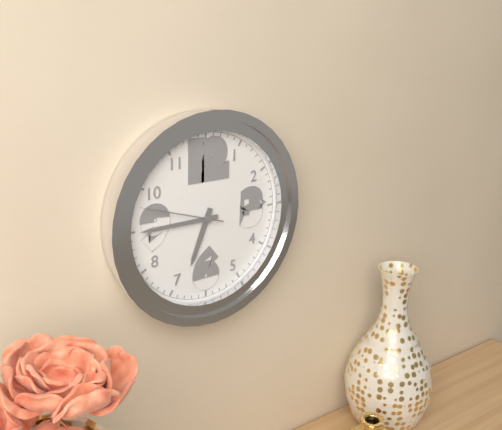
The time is h=6 m=45 s=48
